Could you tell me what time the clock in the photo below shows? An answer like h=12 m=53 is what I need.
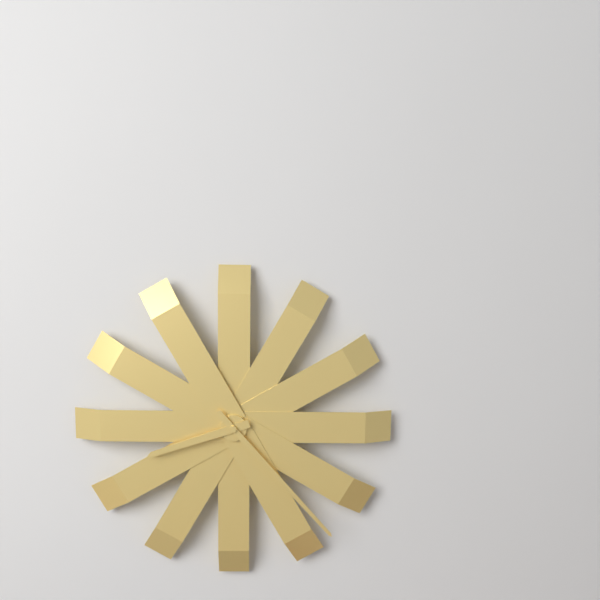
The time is h=8 m=23
